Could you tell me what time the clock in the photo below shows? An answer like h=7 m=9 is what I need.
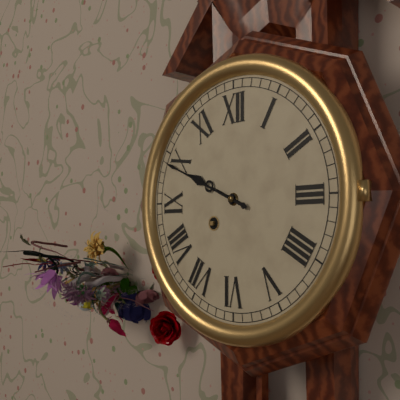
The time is h=9 m=49
